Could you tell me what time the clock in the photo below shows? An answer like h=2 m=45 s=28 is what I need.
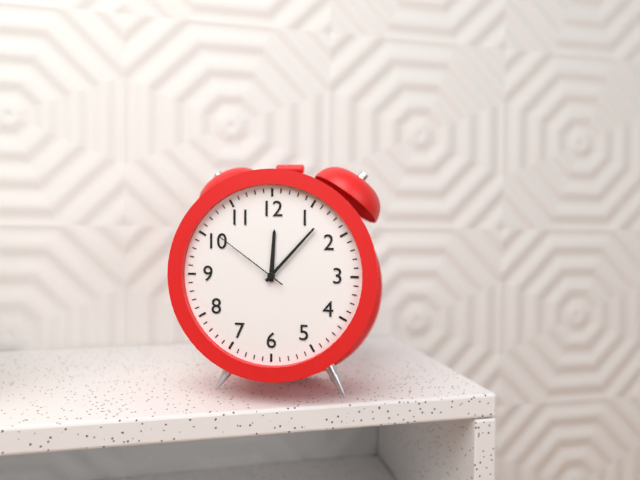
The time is h=12 m=7 s=51
